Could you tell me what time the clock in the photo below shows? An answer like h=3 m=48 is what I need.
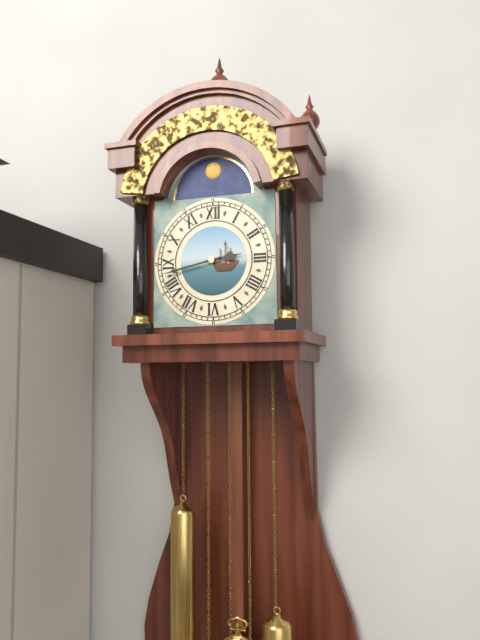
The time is h=2 m=43
